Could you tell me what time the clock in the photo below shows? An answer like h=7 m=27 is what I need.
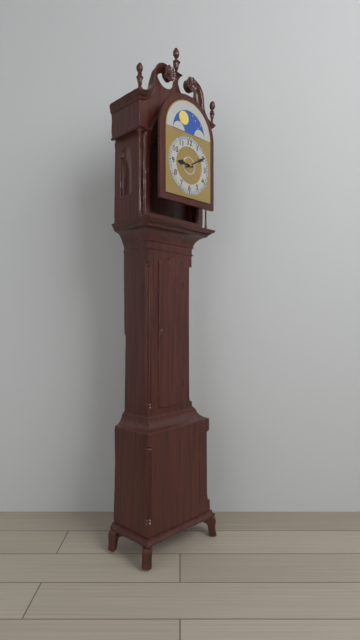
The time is h=9 m=10
